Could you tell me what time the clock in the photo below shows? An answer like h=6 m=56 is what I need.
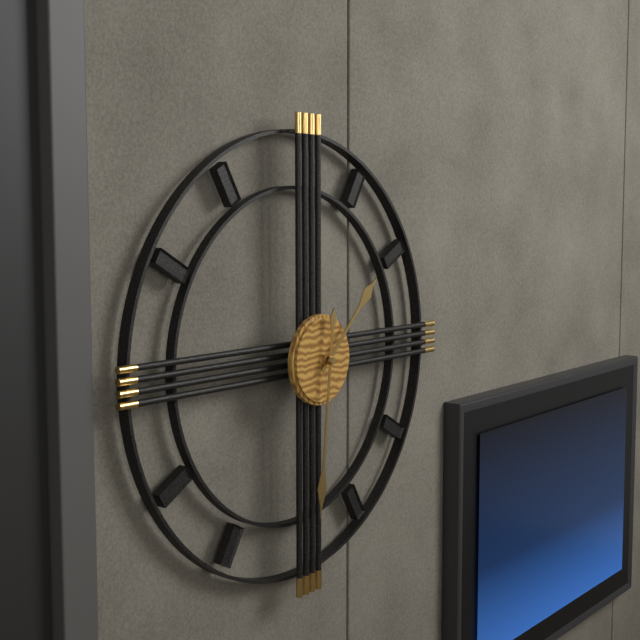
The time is h=1 m=31
